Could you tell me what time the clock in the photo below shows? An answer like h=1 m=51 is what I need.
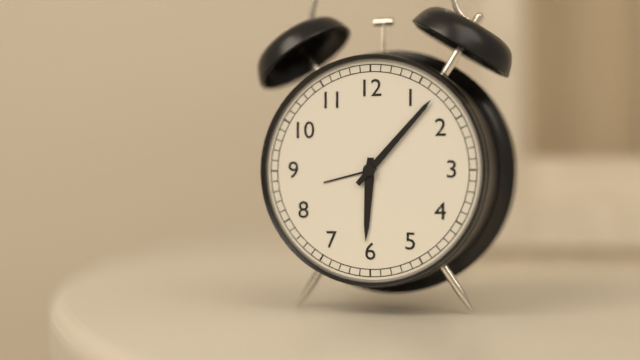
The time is h=6 m=7
